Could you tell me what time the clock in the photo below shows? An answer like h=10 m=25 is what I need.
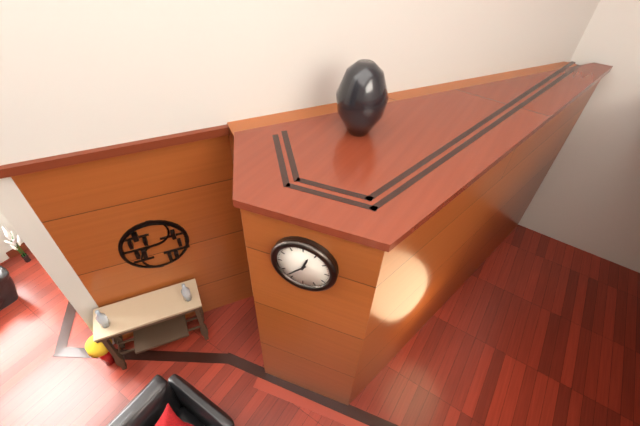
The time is h=12 m=37
